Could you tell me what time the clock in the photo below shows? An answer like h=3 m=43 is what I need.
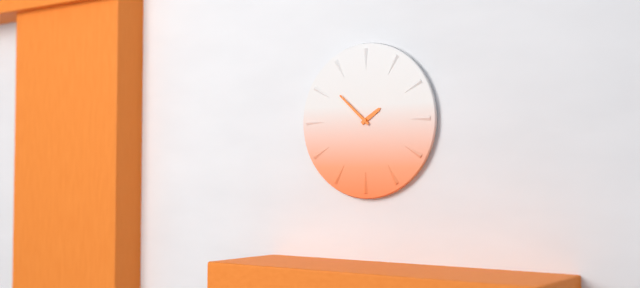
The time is h=1 m=52
